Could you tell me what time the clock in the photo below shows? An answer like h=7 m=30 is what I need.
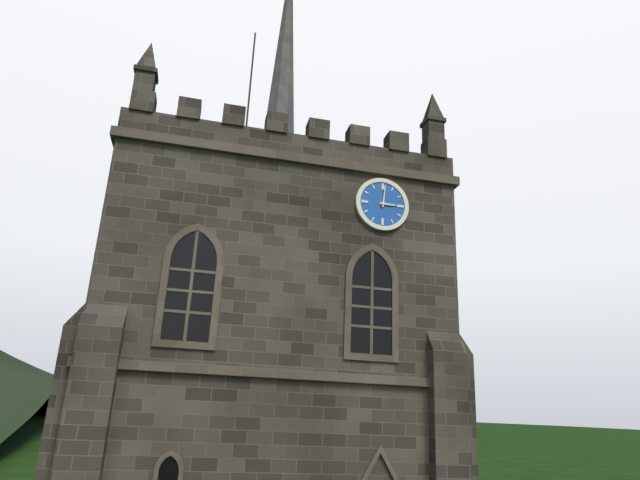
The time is h=3 m=1
